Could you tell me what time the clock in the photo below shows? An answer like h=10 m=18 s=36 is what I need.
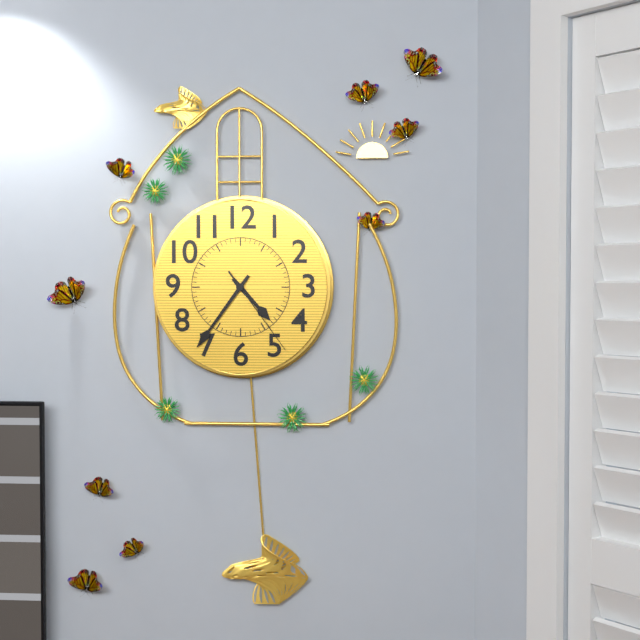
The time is h=4 m=36 s=24
